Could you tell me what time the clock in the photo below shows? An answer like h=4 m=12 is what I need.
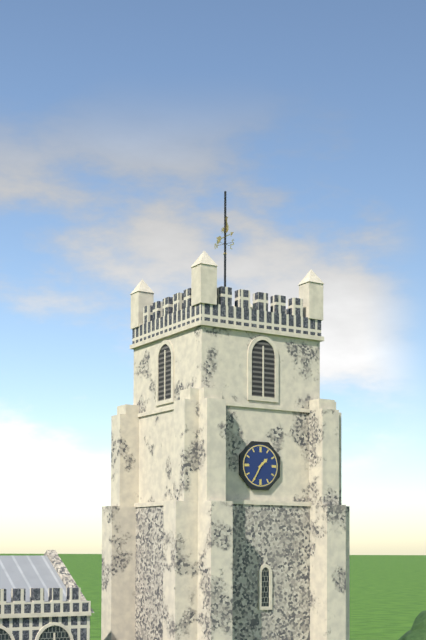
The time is h=1 m=35
